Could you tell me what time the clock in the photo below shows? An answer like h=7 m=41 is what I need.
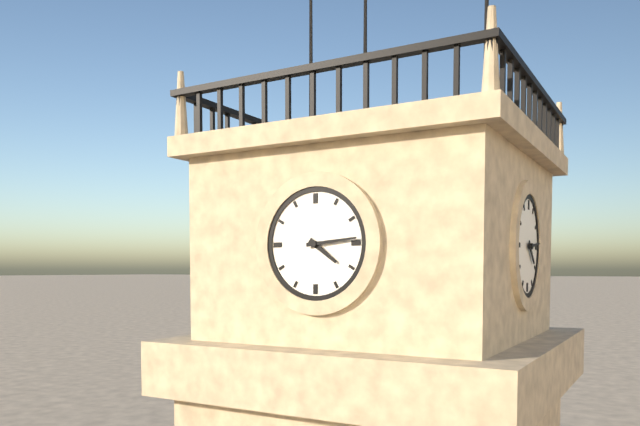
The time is h=4 m=14
